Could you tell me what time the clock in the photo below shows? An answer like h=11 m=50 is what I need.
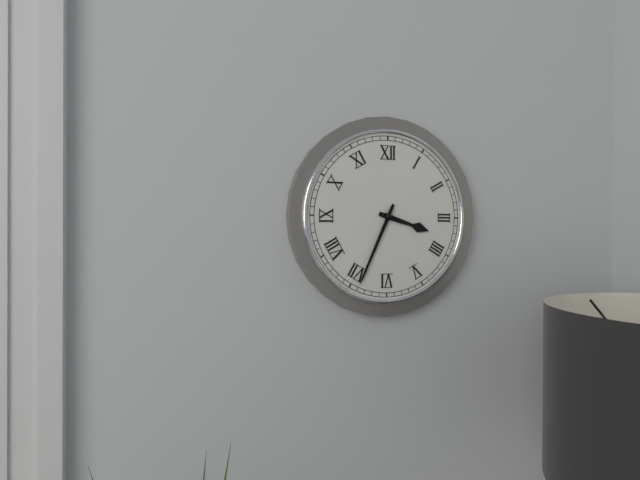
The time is h=3 m=34
